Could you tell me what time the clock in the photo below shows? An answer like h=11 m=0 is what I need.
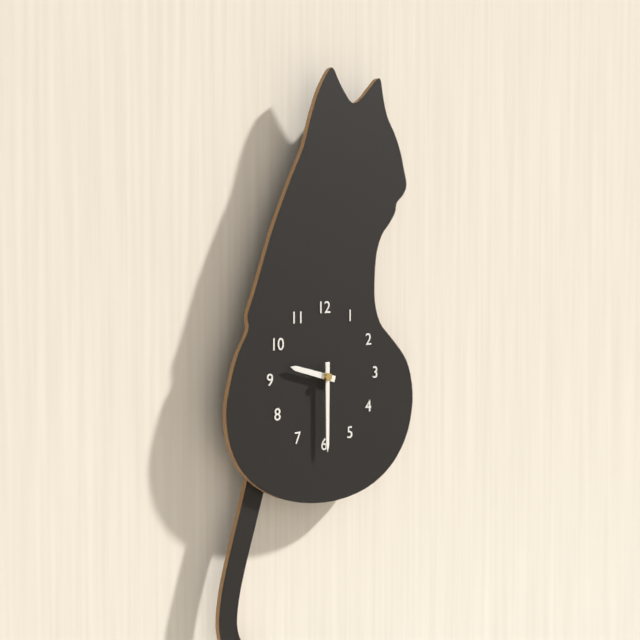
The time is h=9 m=30
